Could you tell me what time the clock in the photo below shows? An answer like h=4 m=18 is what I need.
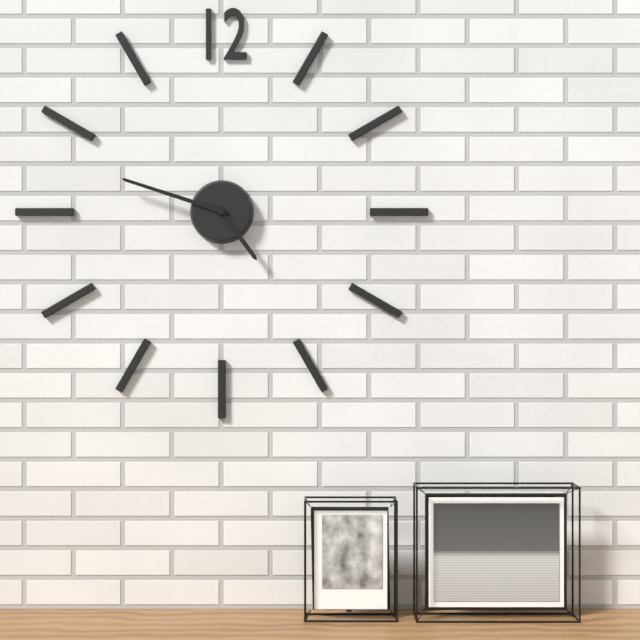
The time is h=4 m=48
